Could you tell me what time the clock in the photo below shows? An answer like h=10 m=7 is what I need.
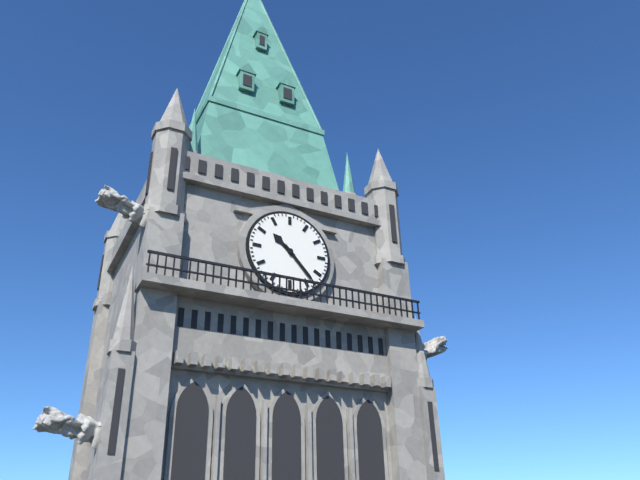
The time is h=10 m=23
